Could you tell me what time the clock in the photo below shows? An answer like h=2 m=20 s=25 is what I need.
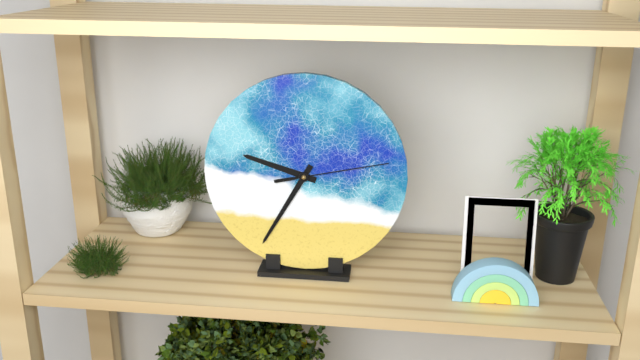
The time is h=9 m=35 s=13
